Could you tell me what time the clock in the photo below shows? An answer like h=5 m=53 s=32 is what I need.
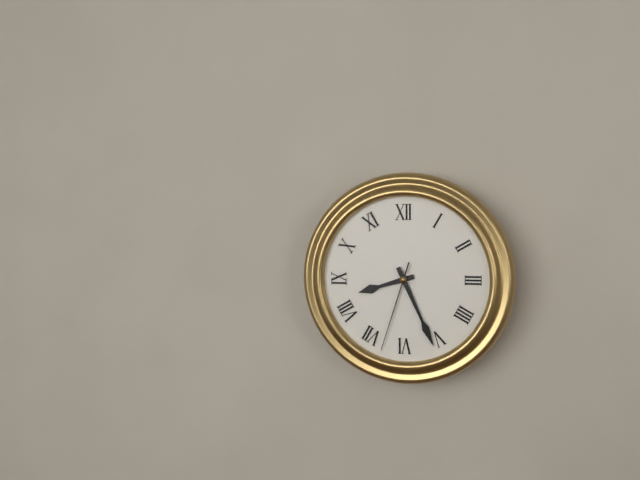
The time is h=8 m=26 s=33
